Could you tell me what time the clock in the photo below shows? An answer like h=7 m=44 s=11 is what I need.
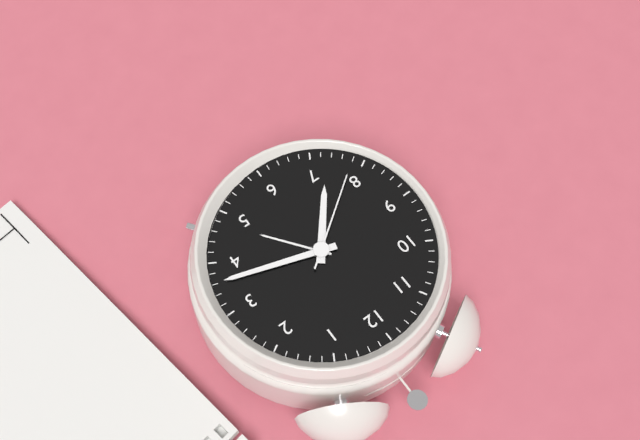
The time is h=7 m=18 s=39
